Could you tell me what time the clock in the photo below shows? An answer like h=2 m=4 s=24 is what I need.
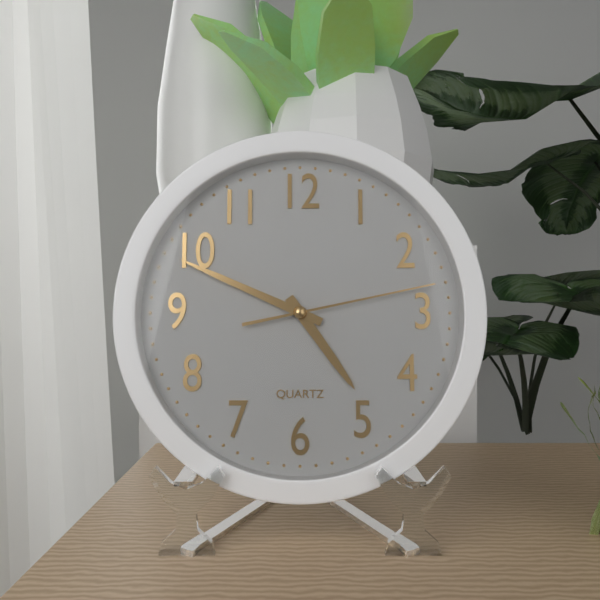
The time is h=4 m=49 s=13
